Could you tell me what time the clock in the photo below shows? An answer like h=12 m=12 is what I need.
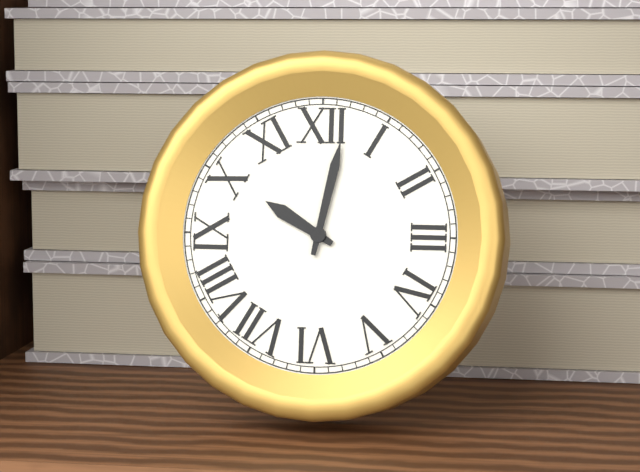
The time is h=10 m=2
